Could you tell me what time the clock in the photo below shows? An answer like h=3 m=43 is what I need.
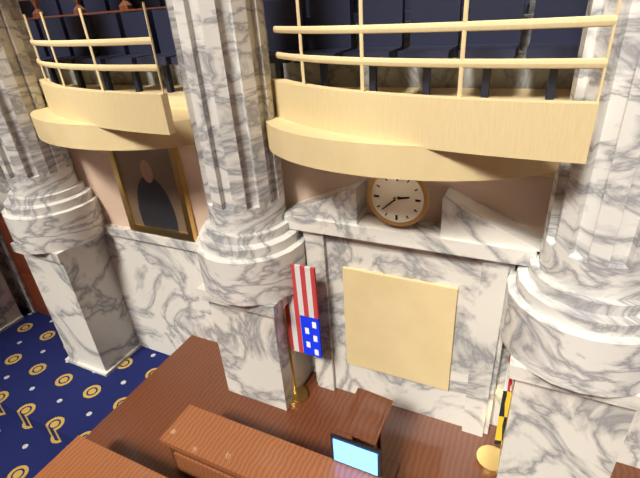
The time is h=2 m=38
